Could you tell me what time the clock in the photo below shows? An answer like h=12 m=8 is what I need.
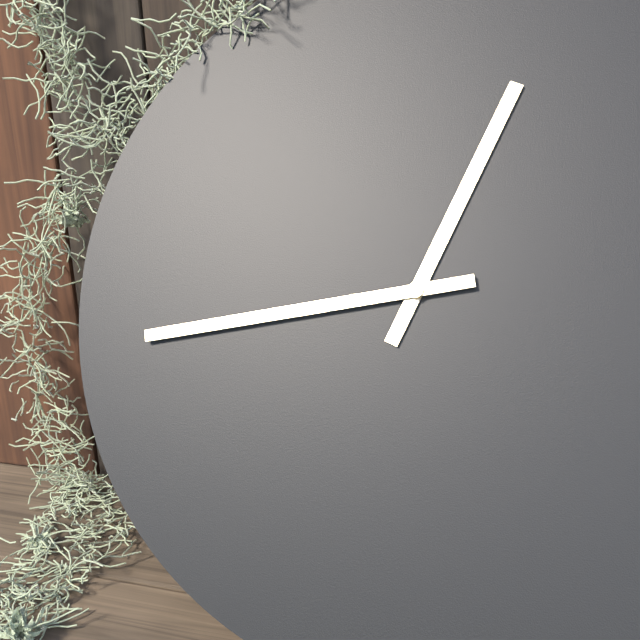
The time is h=12 m=43
